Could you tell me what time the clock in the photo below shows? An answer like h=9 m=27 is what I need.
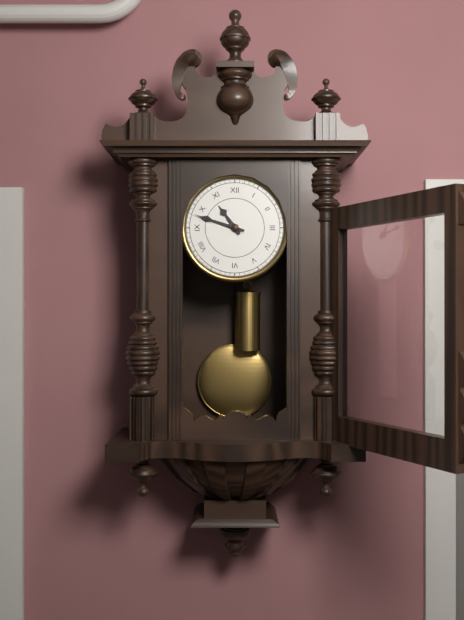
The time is h=10 m=48
